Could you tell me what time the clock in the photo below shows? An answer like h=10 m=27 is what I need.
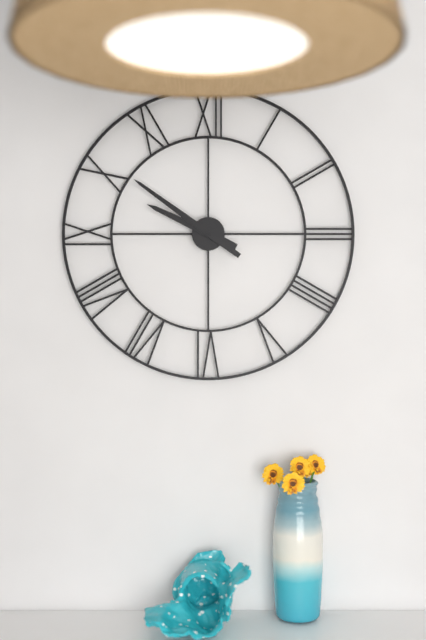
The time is h=9 m=51
